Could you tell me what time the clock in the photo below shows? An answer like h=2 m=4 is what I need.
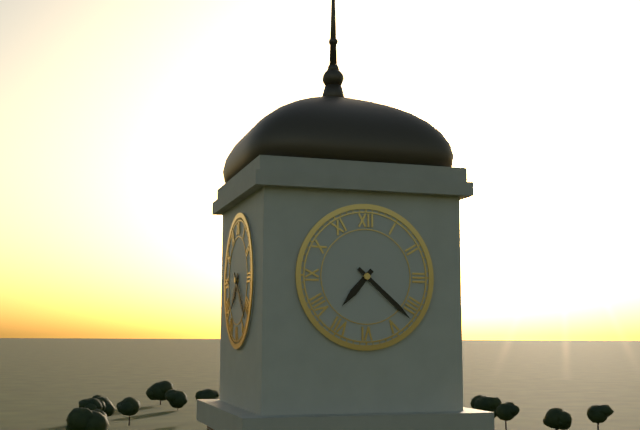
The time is h=7 m=22
